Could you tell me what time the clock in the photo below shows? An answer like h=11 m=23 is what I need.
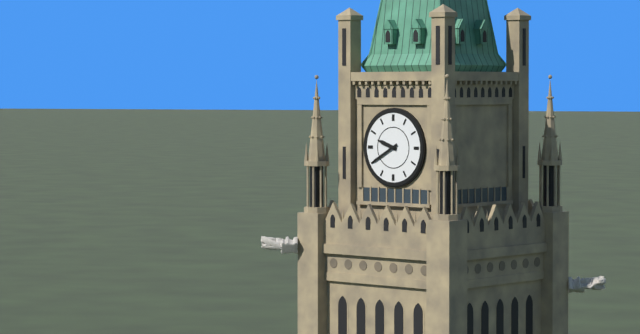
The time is h=9 m=40
